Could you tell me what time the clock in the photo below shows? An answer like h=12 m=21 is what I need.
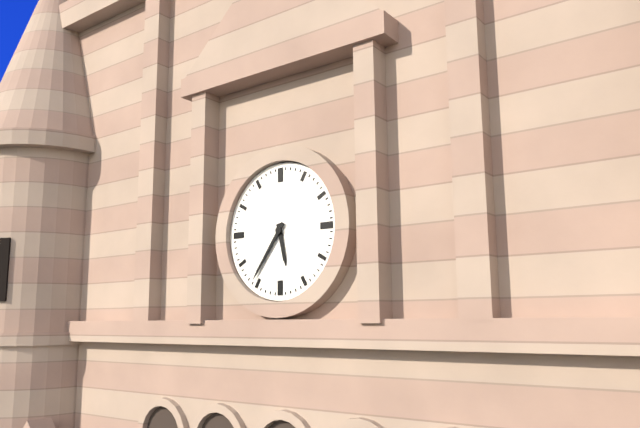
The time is h=5 m=36
